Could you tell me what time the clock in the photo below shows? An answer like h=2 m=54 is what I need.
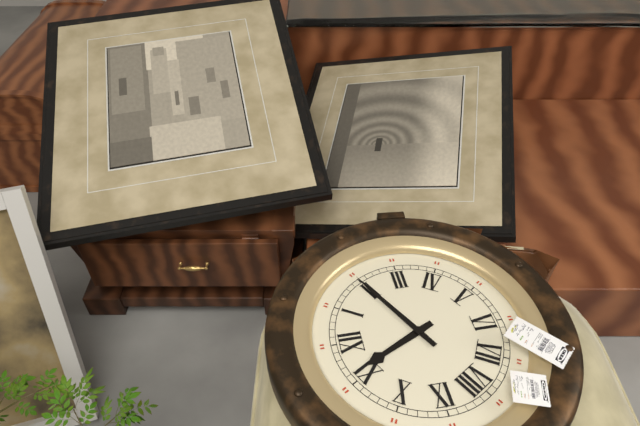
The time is h=11 m=10
